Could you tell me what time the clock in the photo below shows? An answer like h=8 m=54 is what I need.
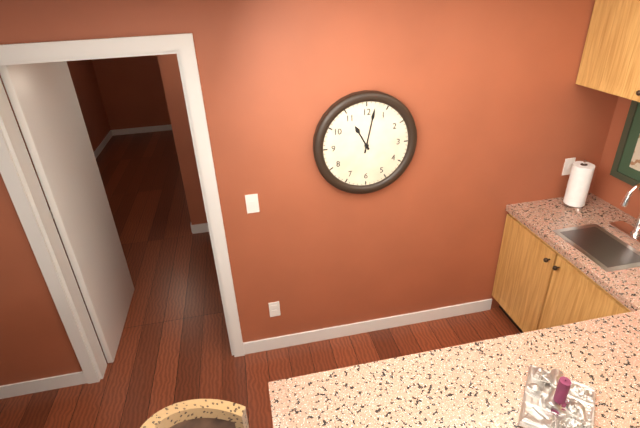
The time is h=11 m=2
